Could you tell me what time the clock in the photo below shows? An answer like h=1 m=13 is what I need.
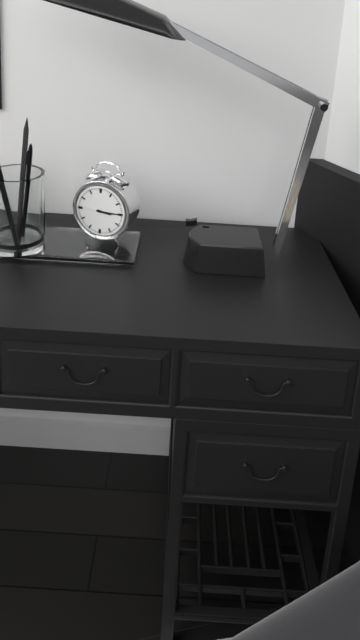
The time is h=3 m=15
